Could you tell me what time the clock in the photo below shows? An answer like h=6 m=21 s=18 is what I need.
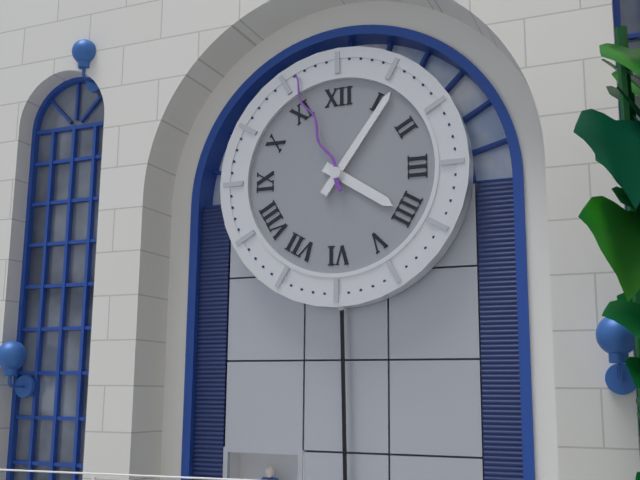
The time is h=4 m=6 s=56
